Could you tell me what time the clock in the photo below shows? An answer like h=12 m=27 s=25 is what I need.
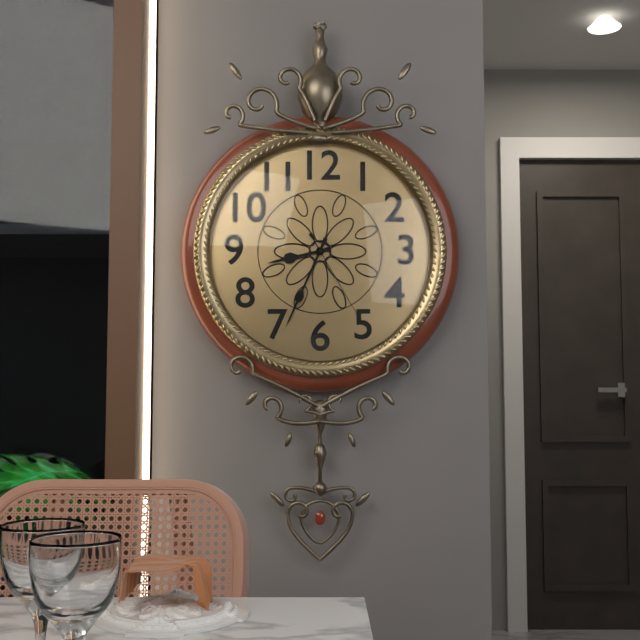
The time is h=8 m=34 s=25
